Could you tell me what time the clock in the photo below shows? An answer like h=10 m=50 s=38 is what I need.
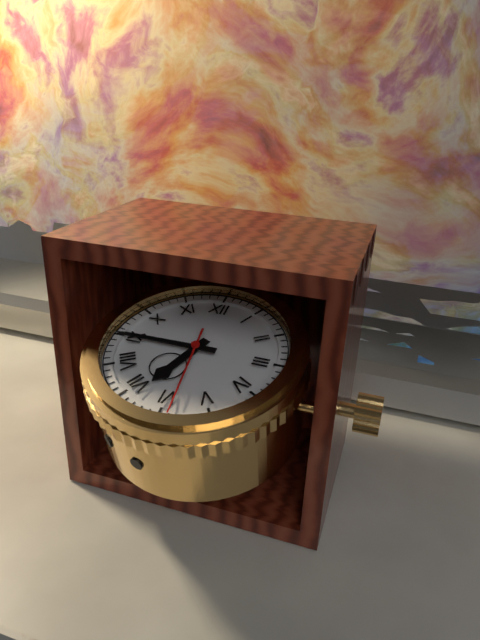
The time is h=6 m=45 s=29
